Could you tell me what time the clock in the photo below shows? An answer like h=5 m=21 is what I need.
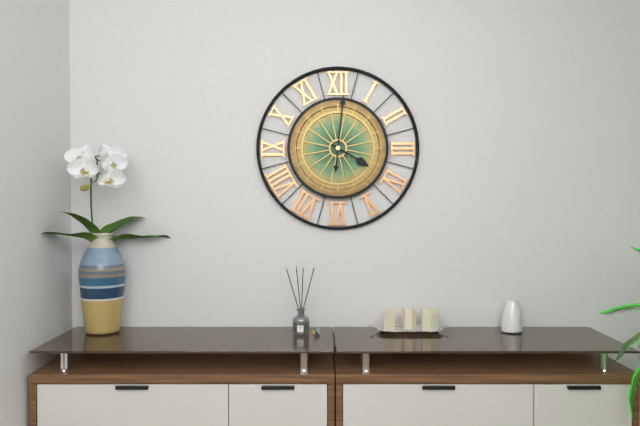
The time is h=4 m=1
